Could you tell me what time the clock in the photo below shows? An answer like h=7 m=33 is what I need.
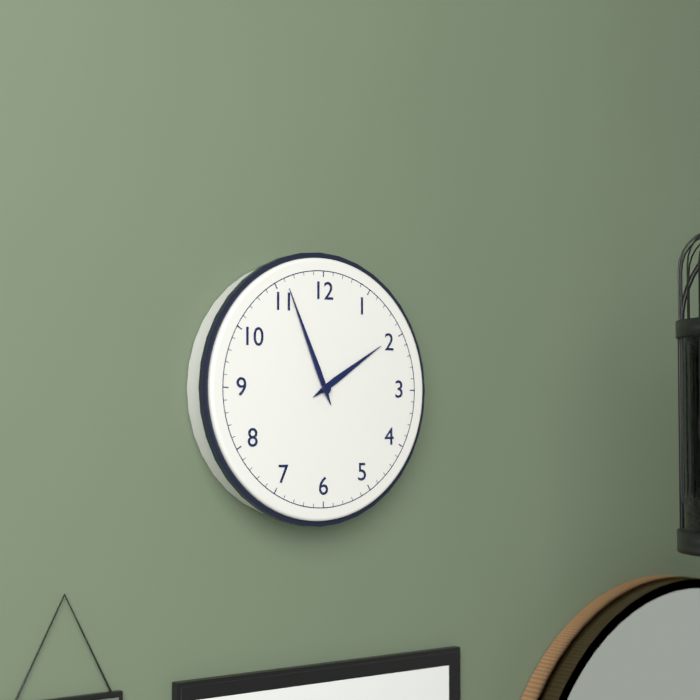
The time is h=1 m=56
